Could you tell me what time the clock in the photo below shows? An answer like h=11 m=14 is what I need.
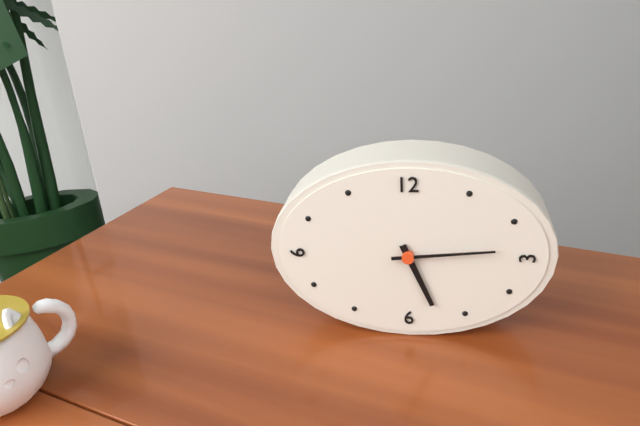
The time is h=5 m=14
